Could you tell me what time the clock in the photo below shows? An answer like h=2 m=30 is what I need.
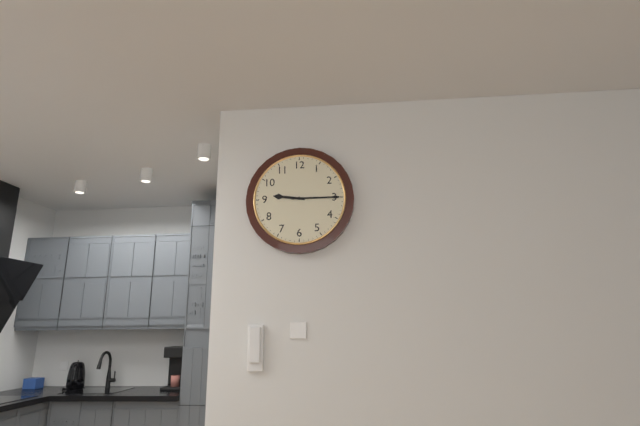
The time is h=9 m=15
